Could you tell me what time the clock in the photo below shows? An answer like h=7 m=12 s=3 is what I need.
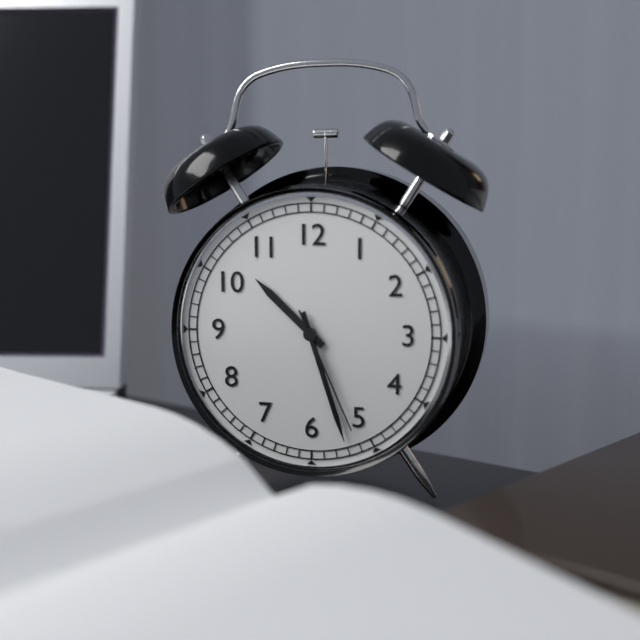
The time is h=10 m=27 s=26
